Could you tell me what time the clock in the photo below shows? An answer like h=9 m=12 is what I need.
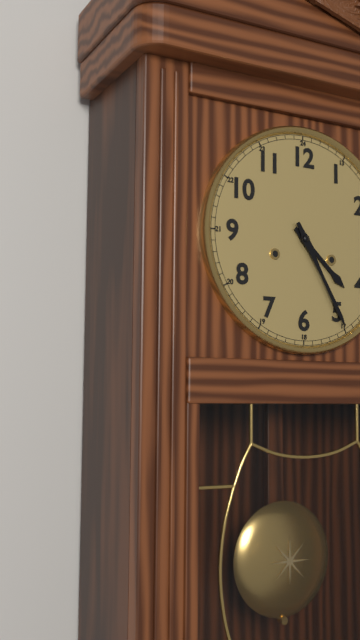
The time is h=4 m=25
